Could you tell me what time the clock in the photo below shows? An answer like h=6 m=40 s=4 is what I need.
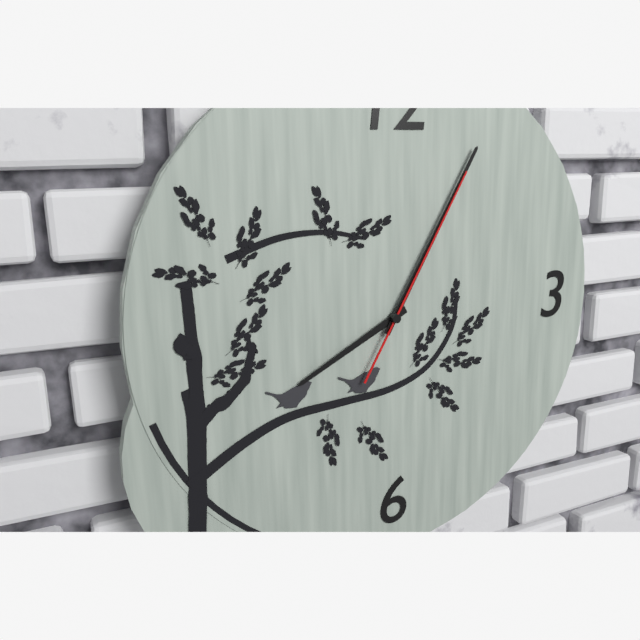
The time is h=8 m=5 s=5
